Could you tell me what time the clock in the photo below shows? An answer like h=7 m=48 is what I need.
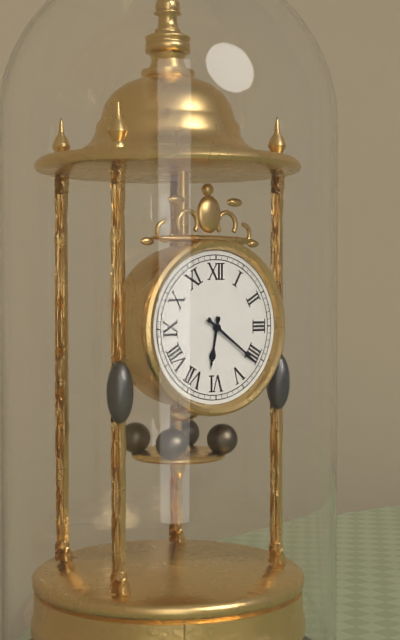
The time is h=6 m=21
